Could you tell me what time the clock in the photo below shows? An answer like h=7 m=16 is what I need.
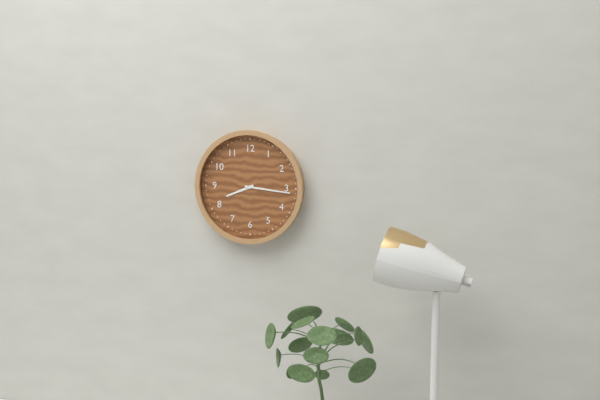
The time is h=8 m=16
